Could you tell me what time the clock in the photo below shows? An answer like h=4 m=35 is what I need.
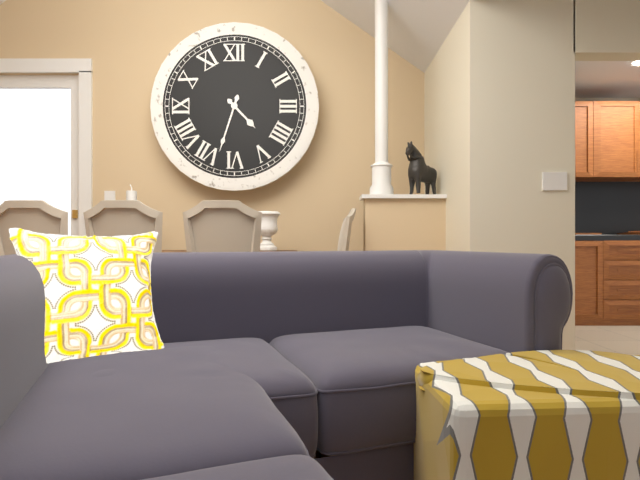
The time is h=4 m=33
